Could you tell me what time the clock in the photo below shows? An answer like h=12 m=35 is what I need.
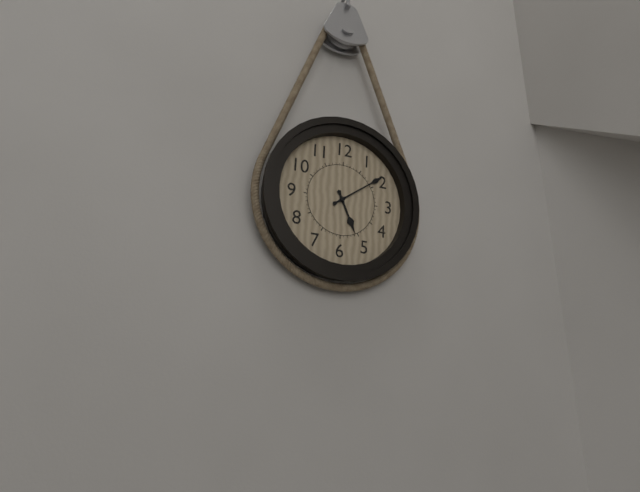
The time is h=5 m=9
